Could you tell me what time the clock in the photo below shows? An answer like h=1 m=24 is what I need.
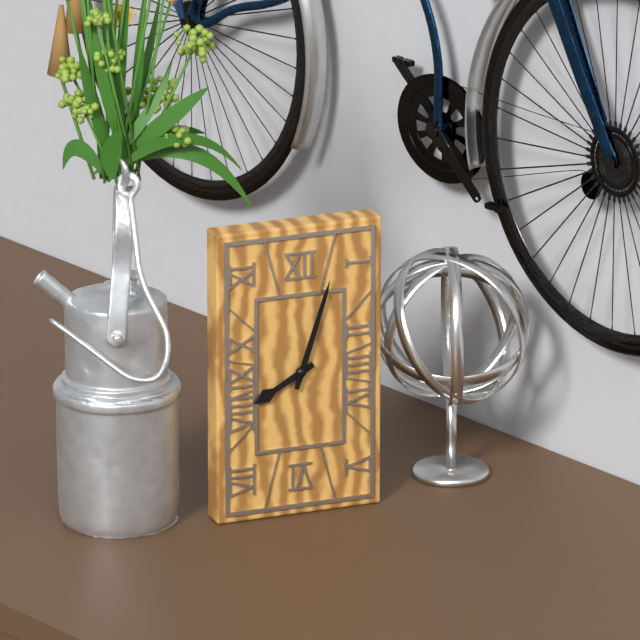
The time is h=8 m=3
